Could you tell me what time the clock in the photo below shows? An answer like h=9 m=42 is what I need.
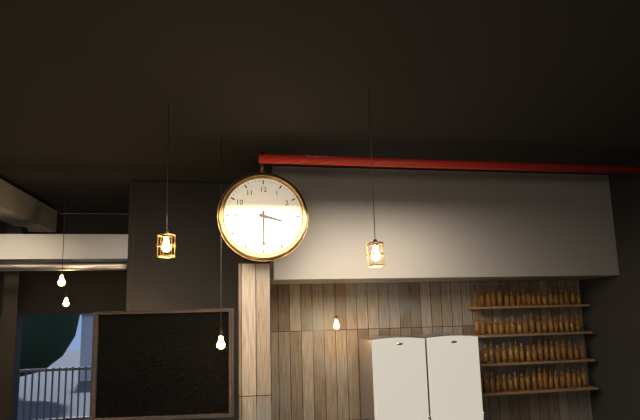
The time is h=3 m=30
